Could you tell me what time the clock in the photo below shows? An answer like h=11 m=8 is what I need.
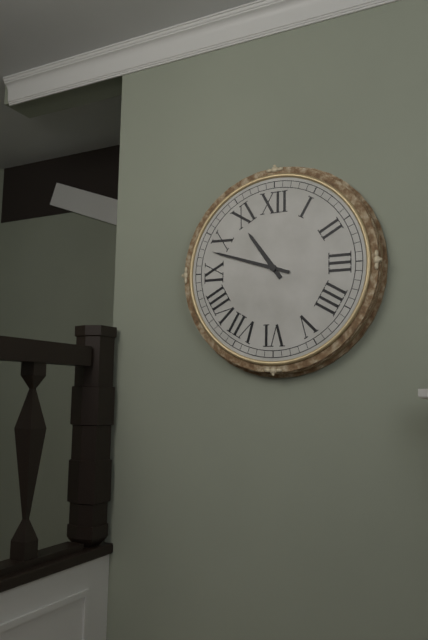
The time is h=10 m=48
